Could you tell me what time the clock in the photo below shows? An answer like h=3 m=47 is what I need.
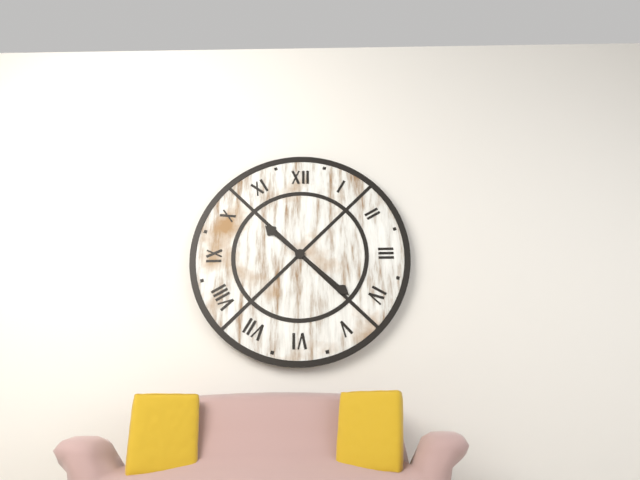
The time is h=10 m=22
